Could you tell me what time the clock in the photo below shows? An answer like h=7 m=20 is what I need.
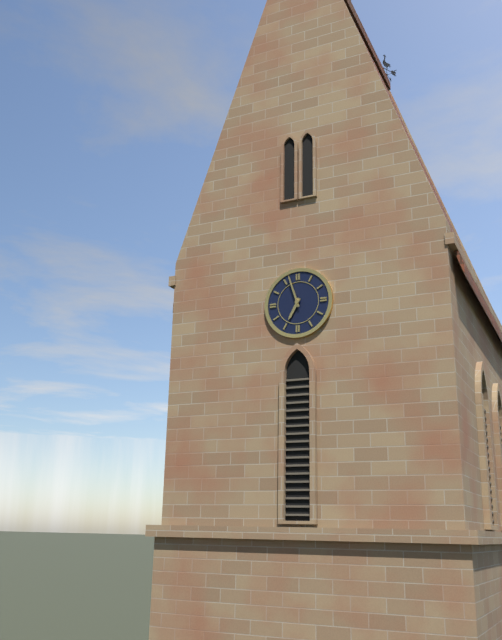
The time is h=6 m=57
